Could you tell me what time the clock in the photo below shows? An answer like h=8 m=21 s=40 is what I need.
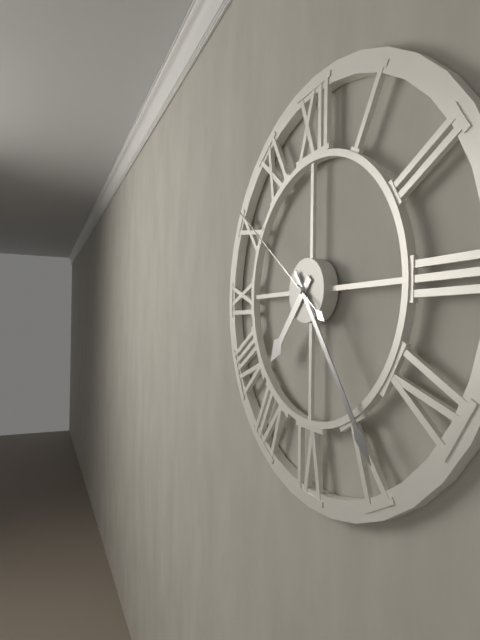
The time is h=7 m=24 s=51
